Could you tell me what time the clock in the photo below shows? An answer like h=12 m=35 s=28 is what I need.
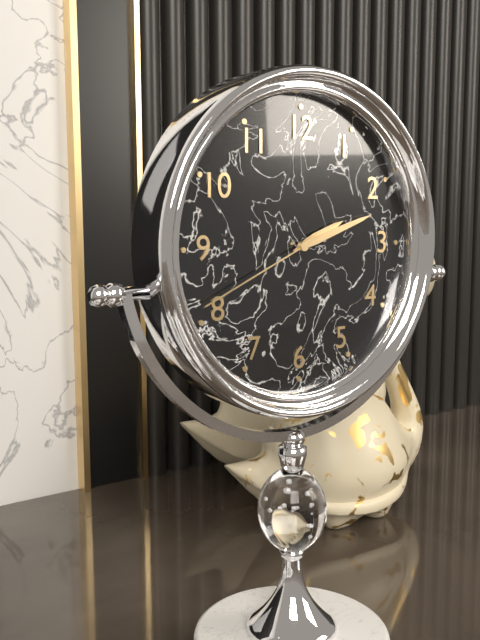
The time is h=2 m=12 s=41
